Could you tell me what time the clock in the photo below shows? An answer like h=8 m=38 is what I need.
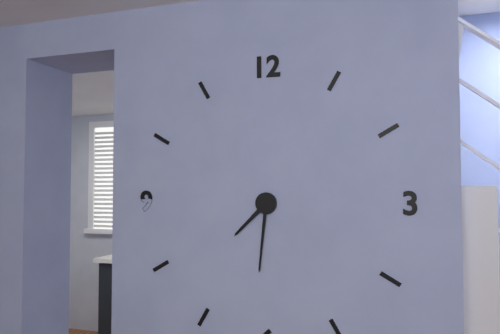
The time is h=7 m=31
